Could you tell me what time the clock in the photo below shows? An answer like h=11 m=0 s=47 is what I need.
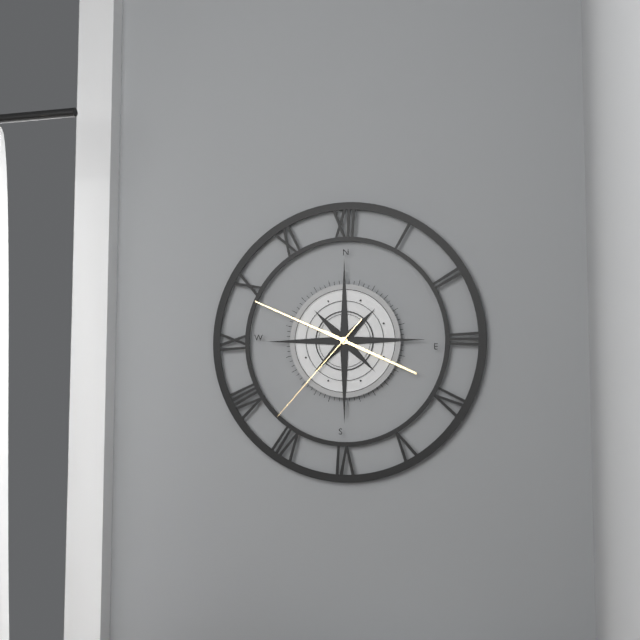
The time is h=3 m=49 s=37
